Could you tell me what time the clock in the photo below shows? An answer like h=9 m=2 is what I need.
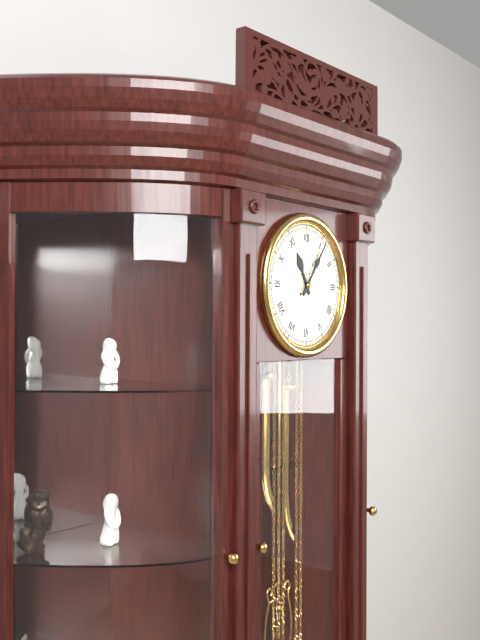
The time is h=11 m=6
